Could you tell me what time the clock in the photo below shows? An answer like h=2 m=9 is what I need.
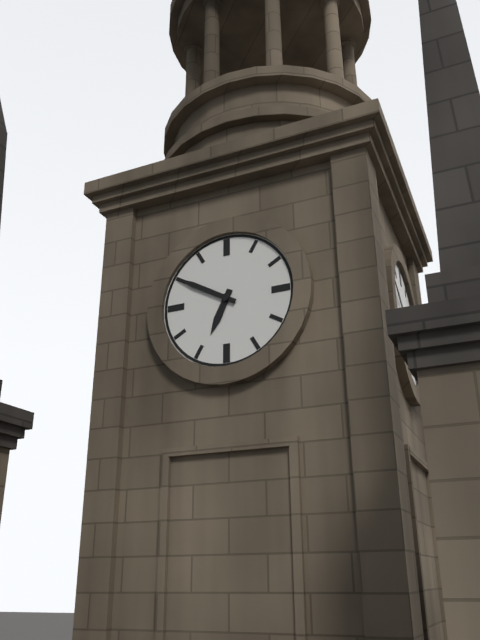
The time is h=6 m=50
